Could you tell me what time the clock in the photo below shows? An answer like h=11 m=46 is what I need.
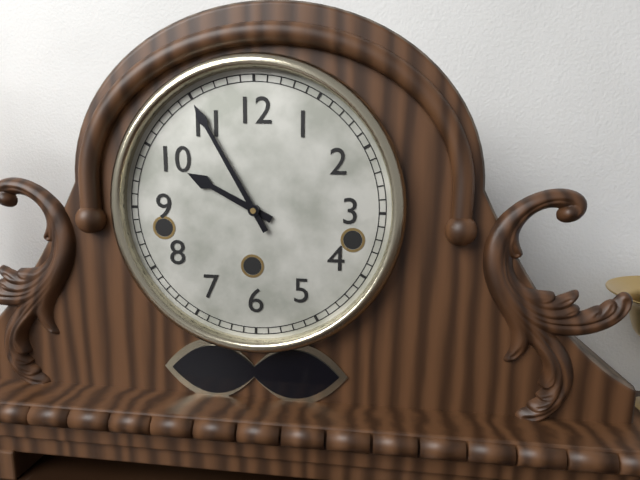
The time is h=9 m=55
